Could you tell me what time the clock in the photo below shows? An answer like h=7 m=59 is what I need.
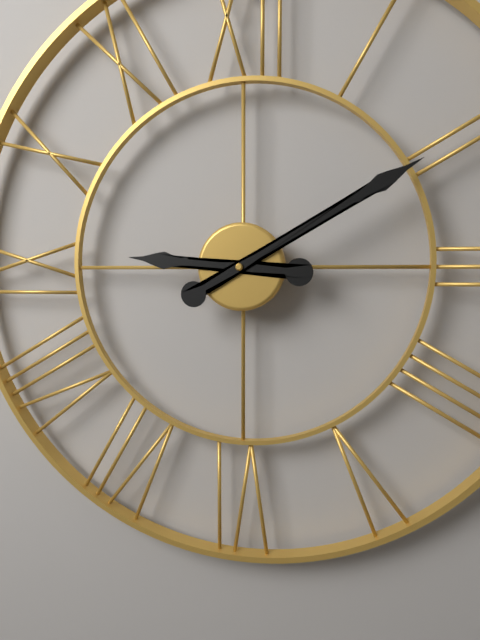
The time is h=9 m=10
